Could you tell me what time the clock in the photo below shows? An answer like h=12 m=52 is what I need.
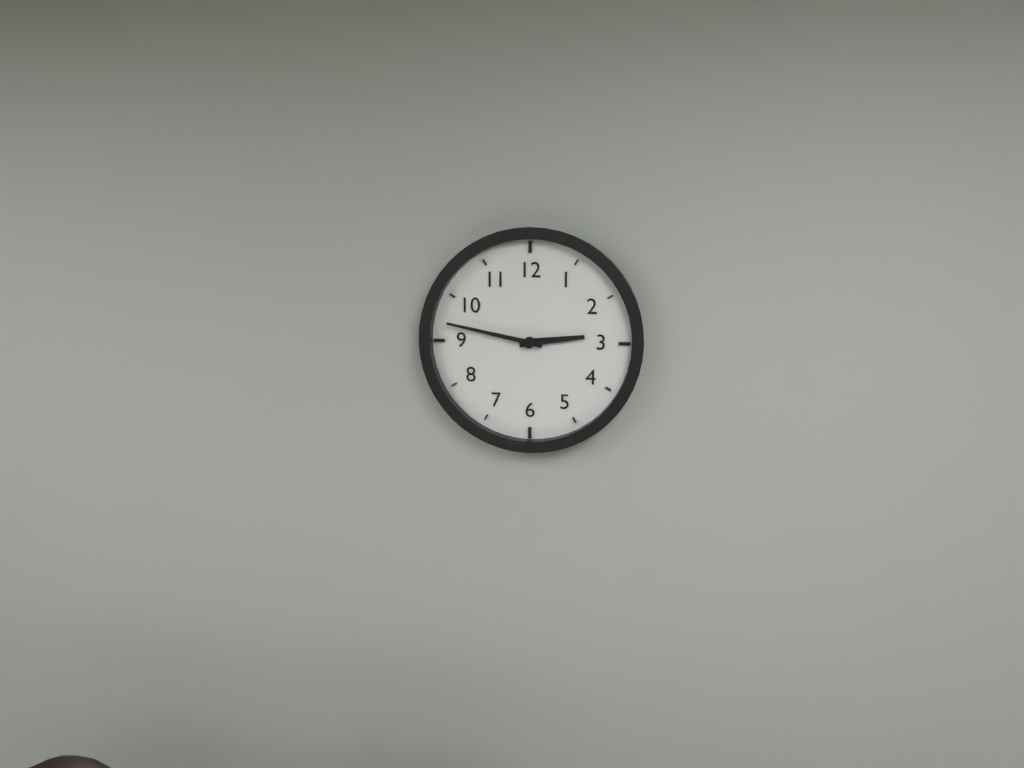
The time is h=2 m=47
